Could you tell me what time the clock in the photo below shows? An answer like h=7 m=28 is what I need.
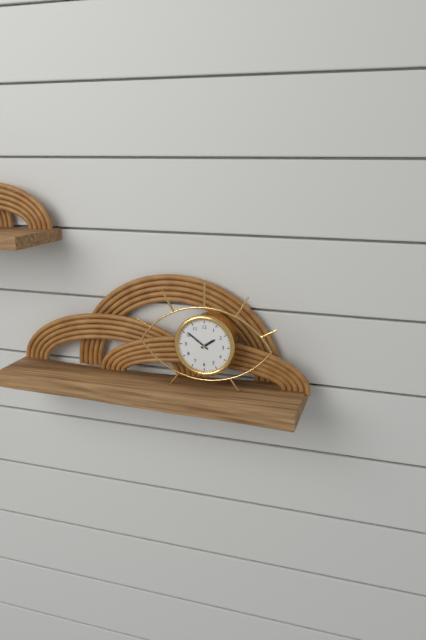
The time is h=1 m=51
